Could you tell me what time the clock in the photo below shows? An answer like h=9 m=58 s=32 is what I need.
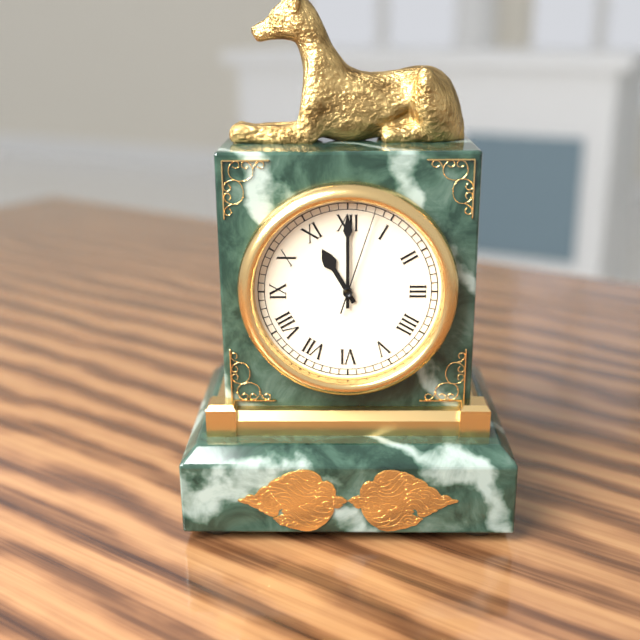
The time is h=11 m=0 s=3
